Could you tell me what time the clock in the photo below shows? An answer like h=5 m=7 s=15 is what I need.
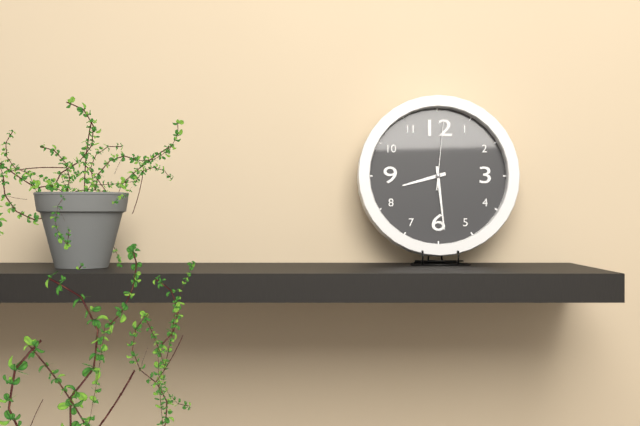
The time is h=8 m=29 s=1
